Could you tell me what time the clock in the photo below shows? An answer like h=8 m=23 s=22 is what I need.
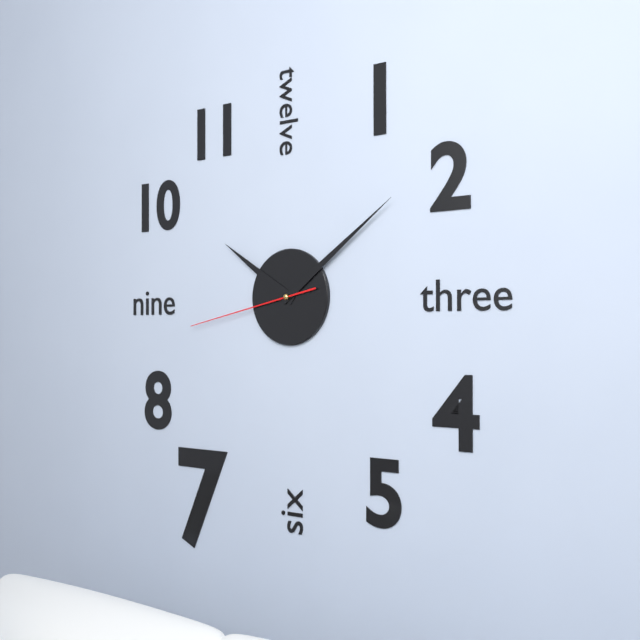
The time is h=10 m=9 s=43
